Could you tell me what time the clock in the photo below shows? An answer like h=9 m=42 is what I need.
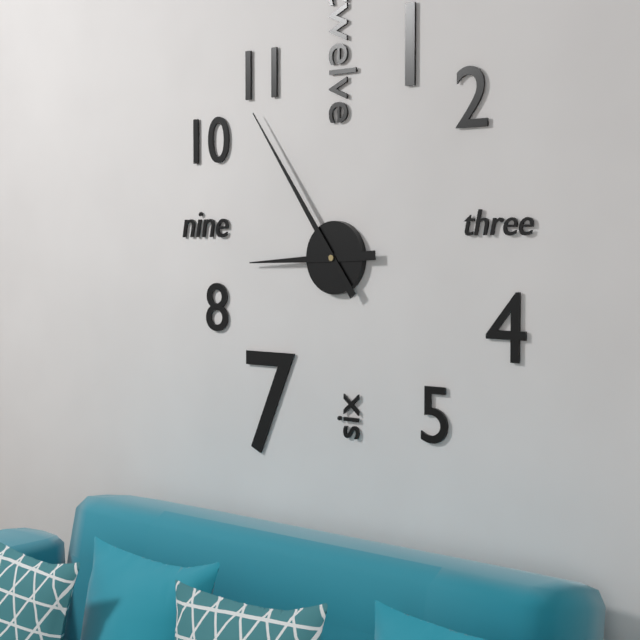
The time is h=8 m=54
